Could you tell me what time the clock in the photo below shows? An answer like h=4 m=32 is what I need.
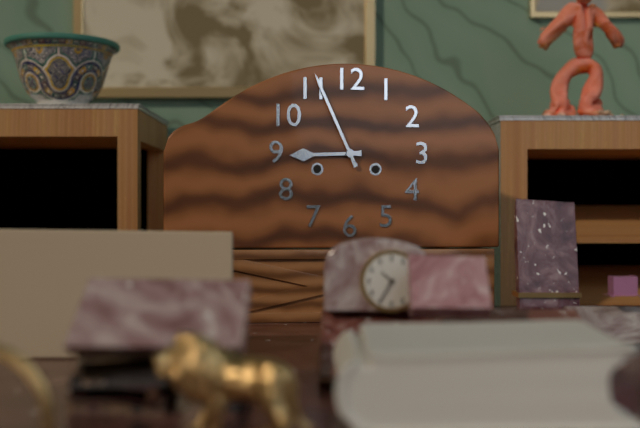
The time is h=8 m=56
